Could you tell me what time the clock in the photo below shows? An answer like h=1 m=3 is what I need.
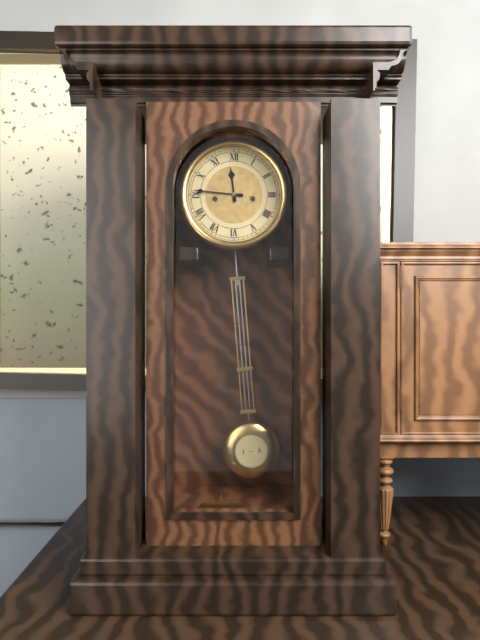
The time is h=11 m=46
